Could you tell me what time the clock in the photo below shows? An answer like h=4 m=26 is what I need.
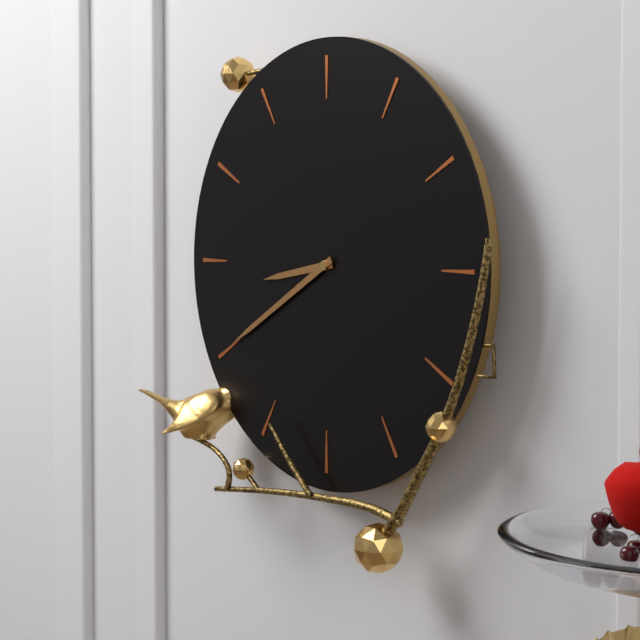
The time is h=8 m=40
